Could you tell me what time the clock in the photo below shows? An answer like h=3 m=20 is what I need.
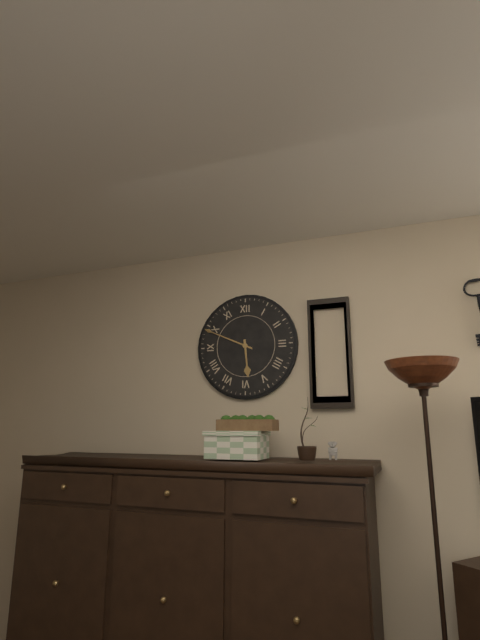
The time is h=5 m=49
